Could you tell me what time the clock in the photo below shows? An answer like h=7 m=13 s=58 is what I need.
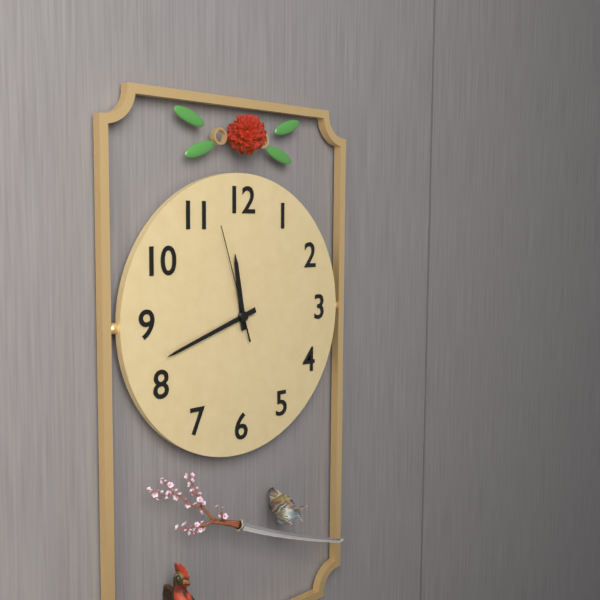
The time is h=11 m=42 s=57
